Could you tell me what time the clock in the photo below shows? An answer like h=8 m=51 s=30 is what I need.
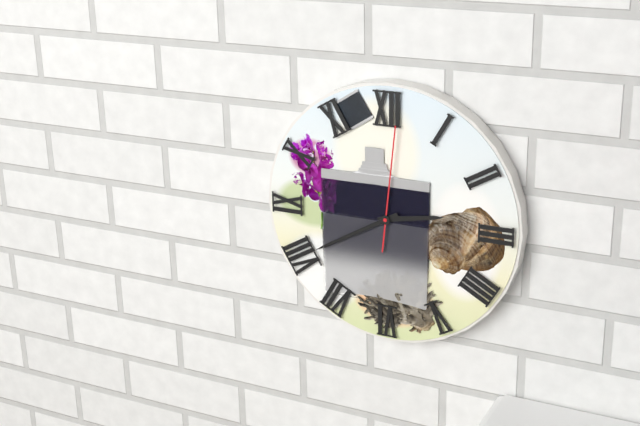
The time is h=2 m=40 s=1
